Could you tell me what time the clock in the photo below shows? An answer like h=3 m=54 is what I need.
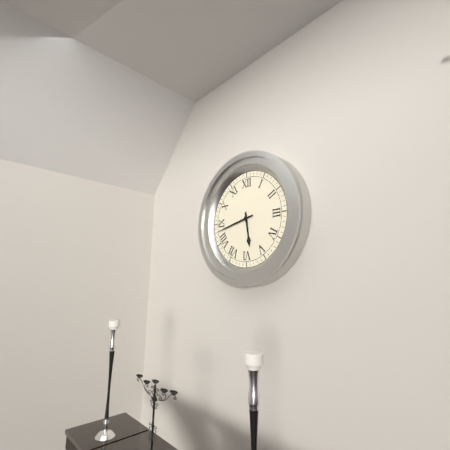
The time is h=5 m=43
